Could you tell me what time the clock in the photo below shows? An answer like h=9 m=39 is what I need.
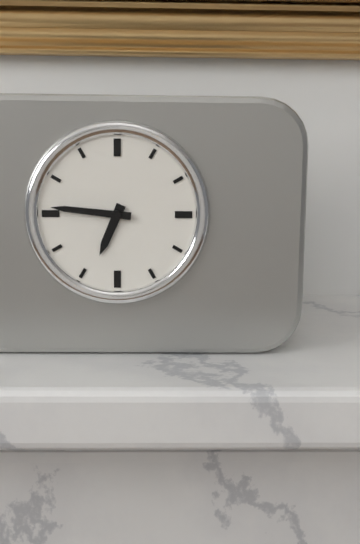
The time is h=6 m=46
